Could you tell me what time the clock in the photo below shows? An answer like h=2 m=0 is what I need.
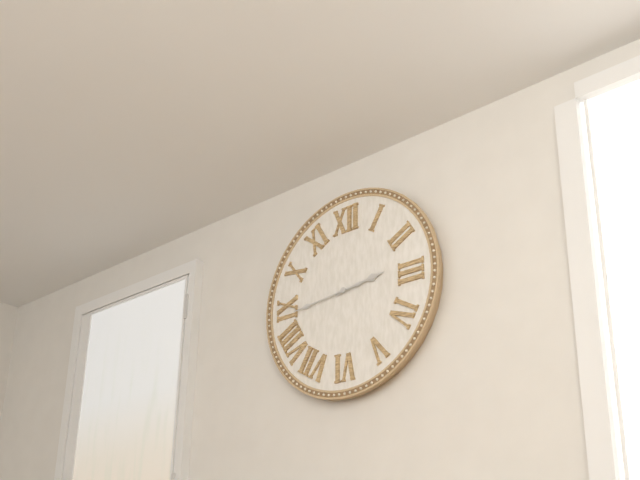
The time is h=2 m=44
